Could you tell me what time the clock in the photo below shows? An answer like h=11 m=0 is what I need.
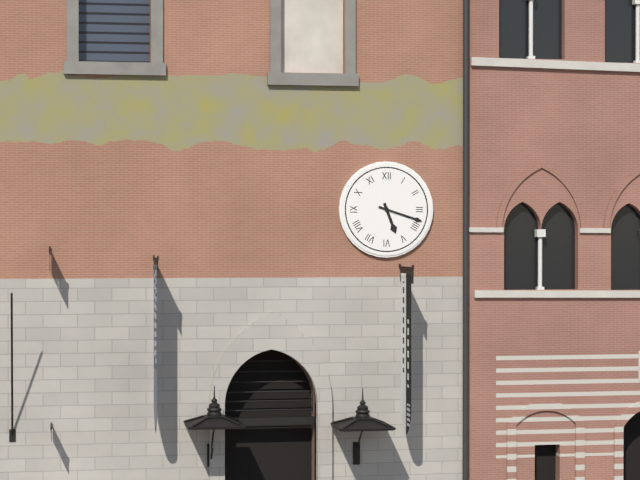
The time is h=5 m=18
